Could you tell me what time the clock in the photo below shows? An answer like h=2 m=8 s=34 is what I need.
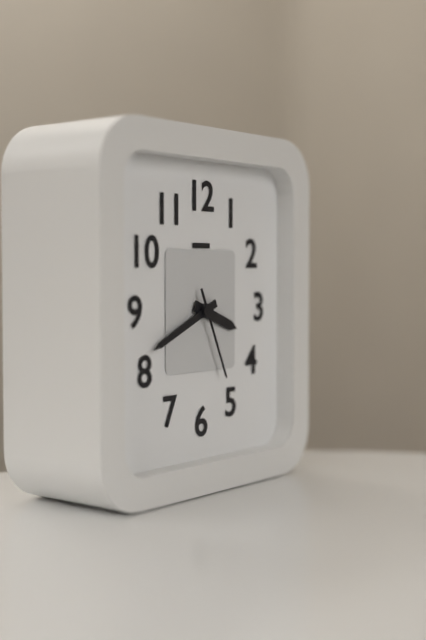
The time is h=3 m=41 s=26
